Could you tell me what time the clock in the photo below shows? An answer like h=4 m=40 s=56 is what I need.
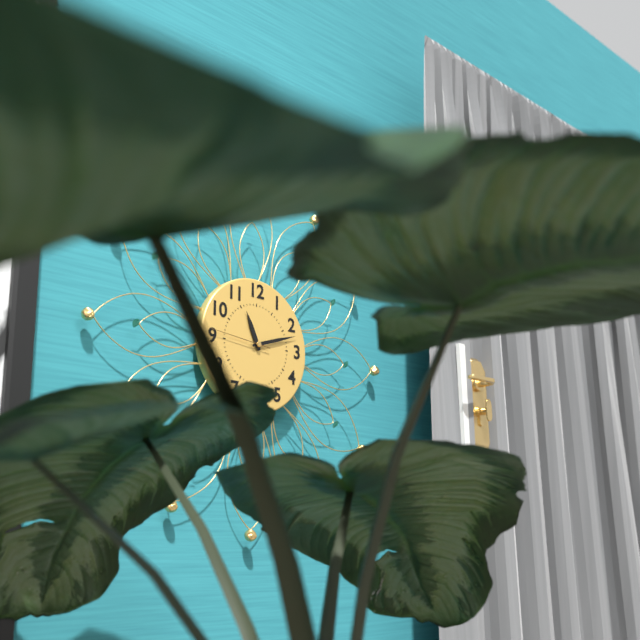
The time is h=11 m=12 s=46
